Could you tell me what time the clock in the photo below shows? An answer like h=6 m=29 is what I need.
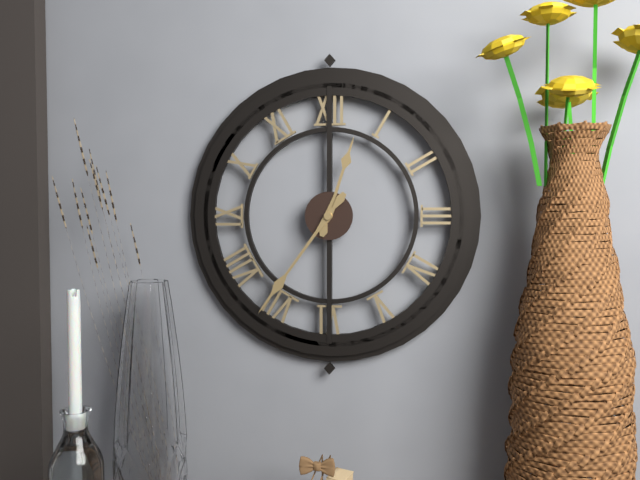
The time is h=12 m=36
